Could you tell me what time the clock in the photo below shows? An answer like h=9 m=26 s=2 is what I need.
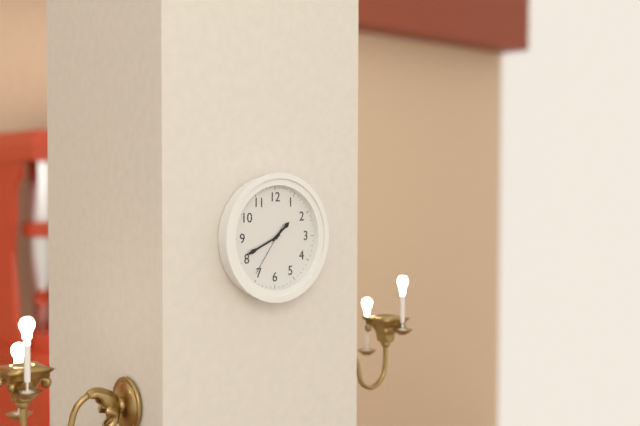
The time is h=1 m=41 s=36
